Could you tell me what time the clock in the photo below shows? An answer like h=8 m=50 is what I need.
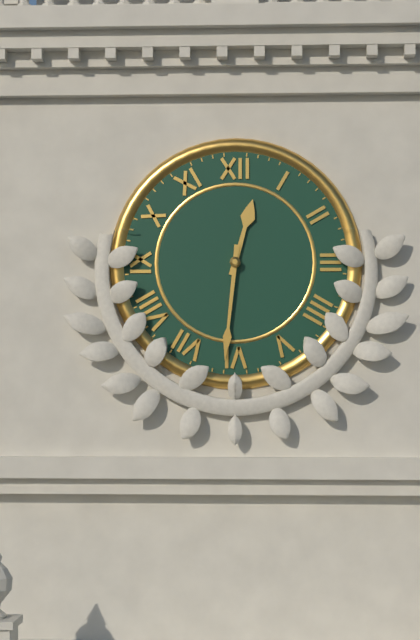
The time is h=12 m=31
